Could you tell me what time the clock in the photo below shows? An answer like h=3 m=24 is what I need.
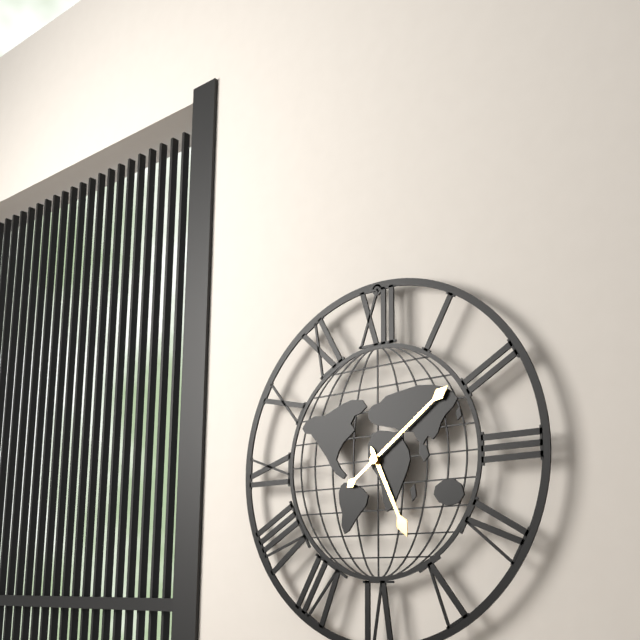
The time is h=5 m=9
